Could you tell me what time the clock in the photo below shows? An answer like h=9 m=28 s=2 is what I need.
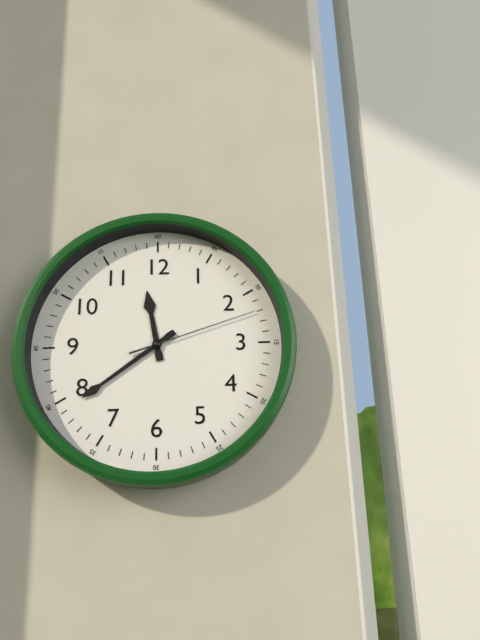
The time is h=11 m=39 s=12
